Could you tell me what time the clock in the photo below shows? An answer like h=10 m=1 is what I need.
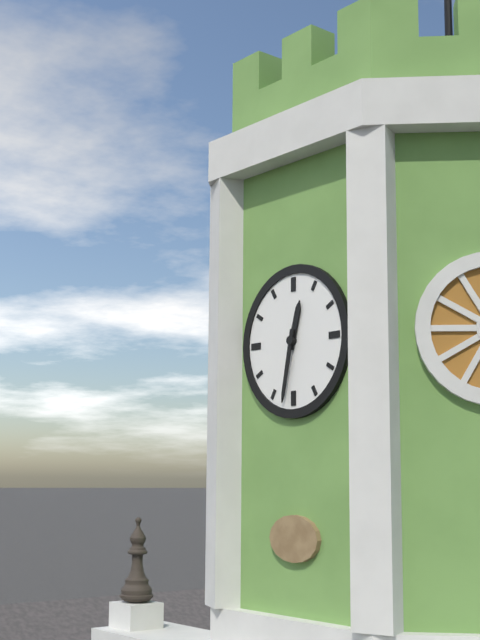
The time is h=12 m=32
